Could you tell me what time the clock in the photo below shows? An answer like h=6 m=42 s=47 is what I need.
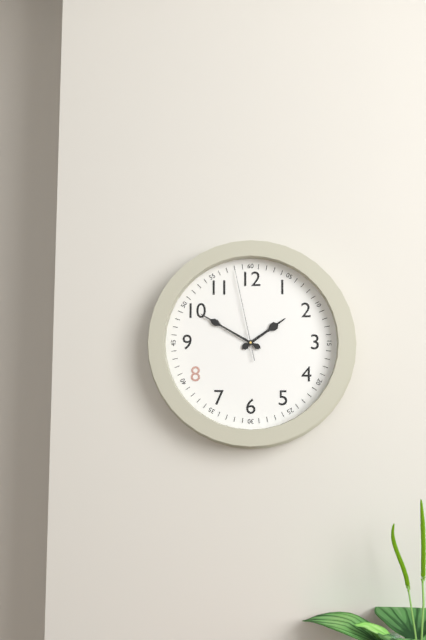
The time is h=1 m=50 s=58
